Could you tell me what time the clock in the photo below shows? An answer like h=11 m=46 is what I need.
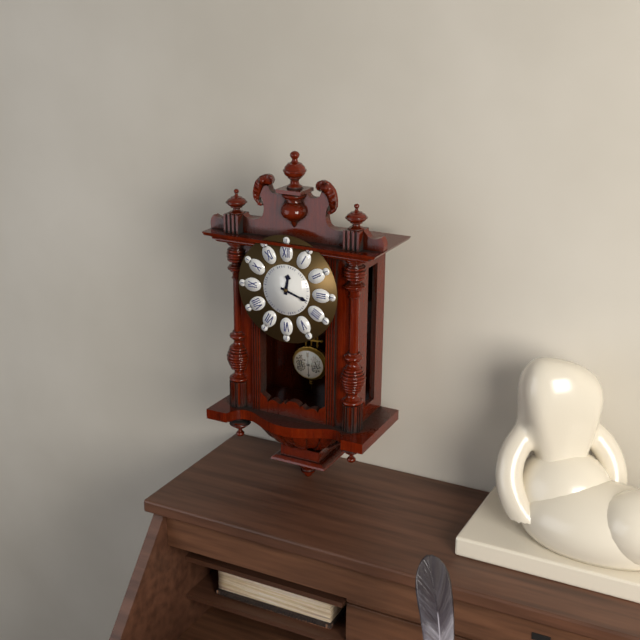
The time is h=12 m=18
